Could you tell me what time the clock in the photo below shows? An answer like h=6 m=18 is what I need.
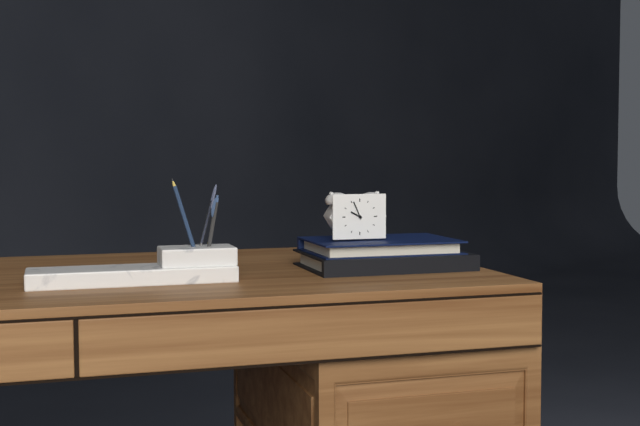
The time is h=9 m=56
